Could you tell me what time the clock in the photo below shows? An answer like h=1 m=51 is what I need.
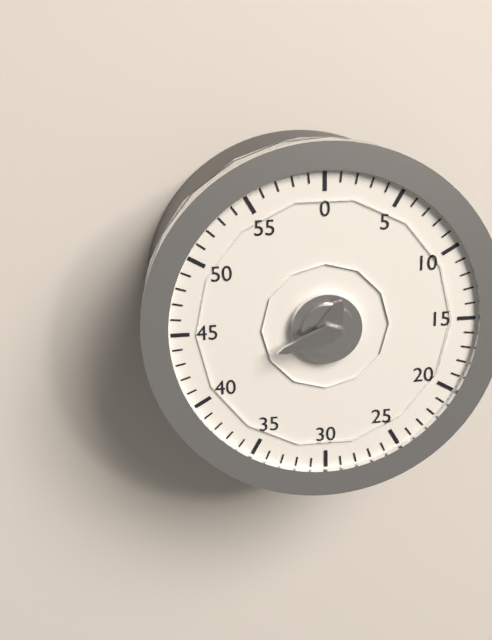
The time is h=12 m=42
